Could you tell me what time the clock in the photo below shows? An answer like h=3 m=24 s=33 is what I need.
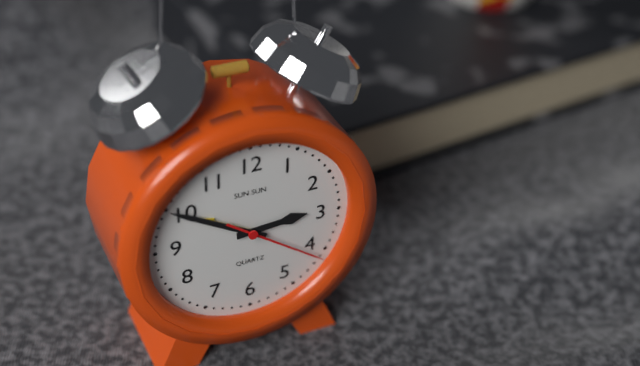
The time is h=2 m=50 s=21
